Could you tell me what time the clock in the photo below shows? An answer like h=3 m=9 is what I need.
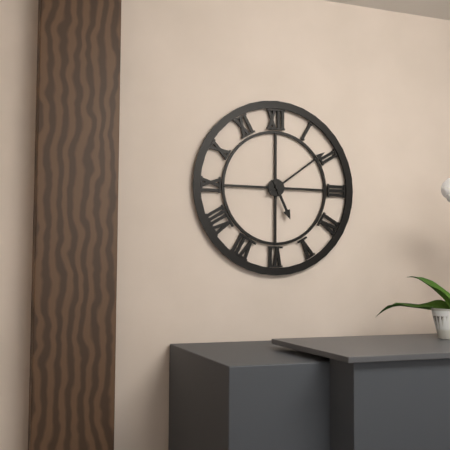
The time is h=5 m=9
